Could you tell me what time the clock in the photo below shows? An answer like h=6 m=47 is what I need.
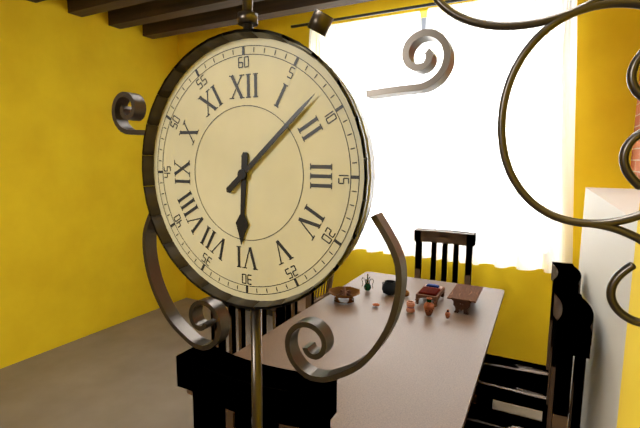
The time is h=6 m=8
